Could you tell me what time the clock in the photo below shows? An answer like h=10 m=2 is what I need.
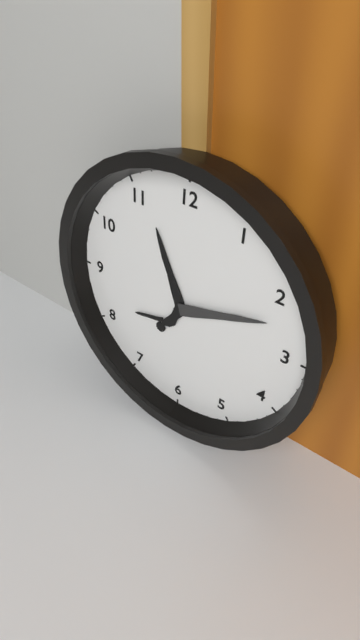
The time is h=11 m=12
